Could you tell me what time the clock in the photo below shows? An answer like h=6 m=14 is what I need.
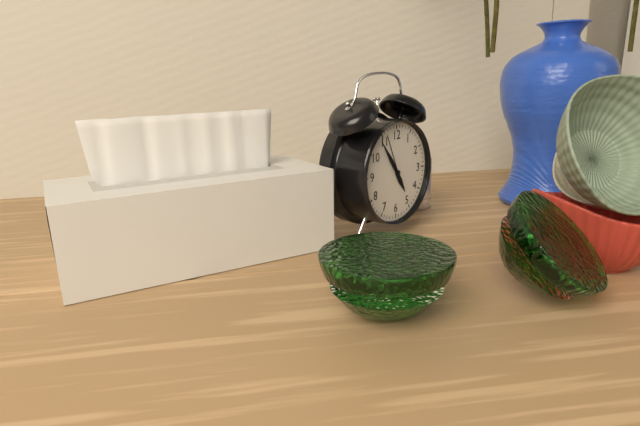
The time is h=4 m=54
